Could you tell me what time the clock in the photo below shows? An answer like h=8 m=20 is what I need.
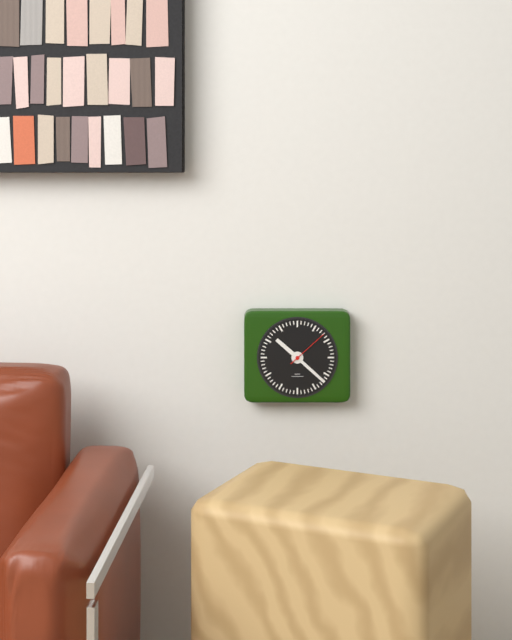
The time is h=10 m=22
